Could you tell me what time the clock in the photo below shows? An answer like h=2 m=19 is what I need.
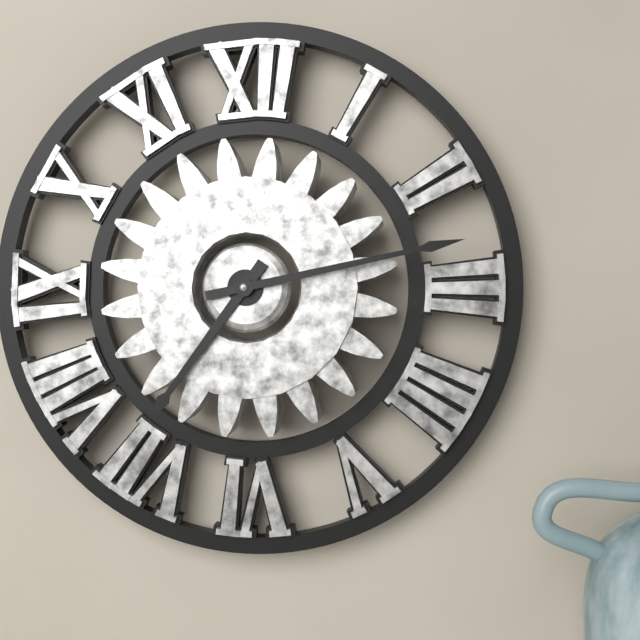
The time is h=7 m=13
